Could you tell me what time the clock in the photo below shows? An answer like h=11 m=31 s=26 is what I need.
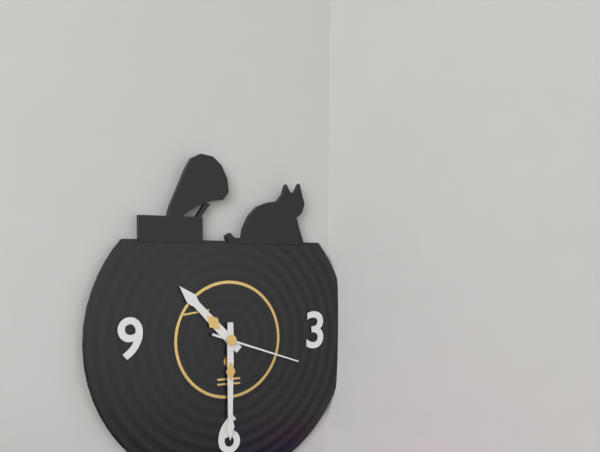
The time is h=10 m=30 s=18
